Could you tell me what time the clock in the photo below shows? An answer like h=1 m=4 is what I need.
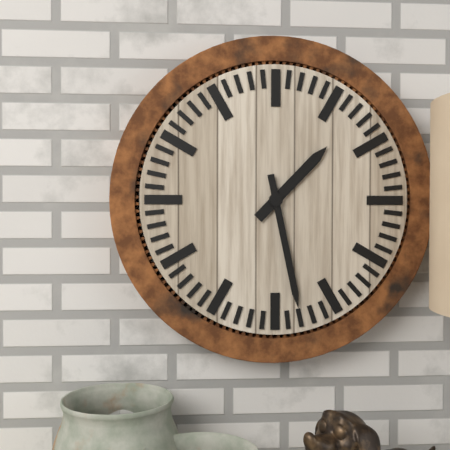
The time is h=1 m=28
